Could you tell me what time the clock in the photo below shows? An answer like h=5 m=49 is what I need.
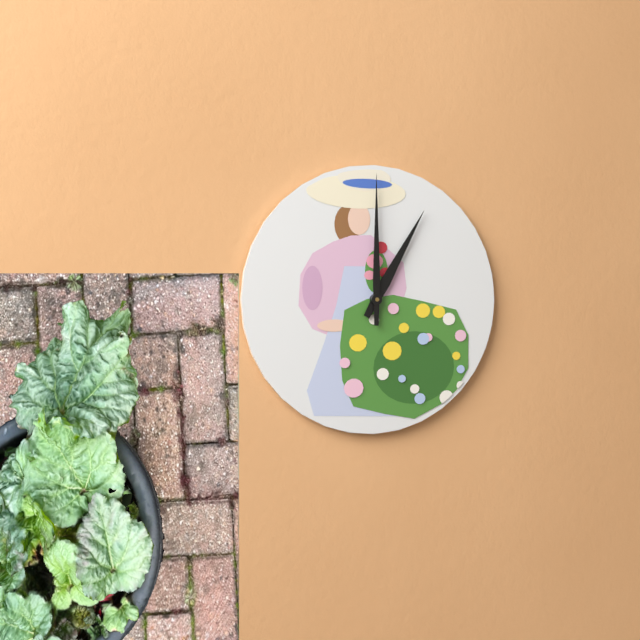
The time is h=1 m=0
